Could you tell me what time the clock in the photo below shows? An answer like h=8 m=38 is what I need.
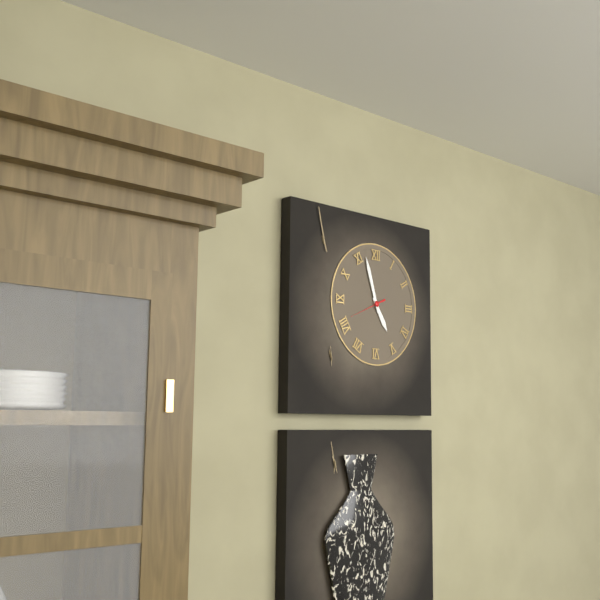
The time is h=4 m=57
